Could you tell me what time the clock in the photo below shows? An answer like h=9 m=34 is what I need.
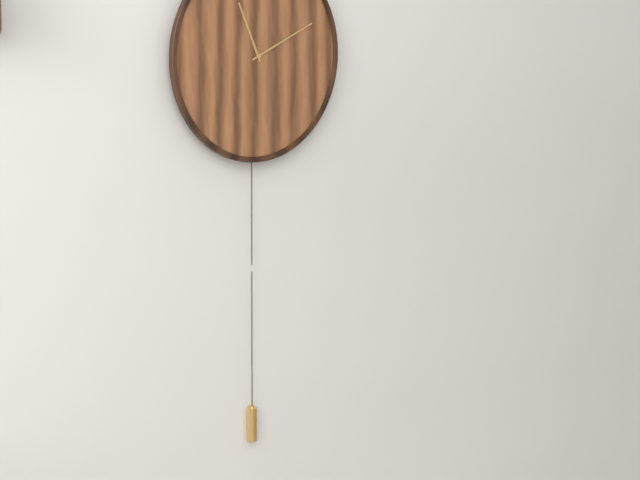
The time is h=11 m=11
